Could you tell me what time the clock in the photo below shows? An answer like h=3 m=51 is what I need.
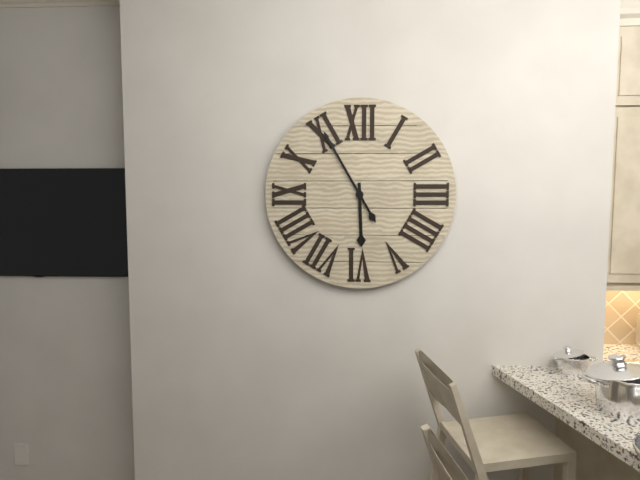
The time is h=5 m=55
